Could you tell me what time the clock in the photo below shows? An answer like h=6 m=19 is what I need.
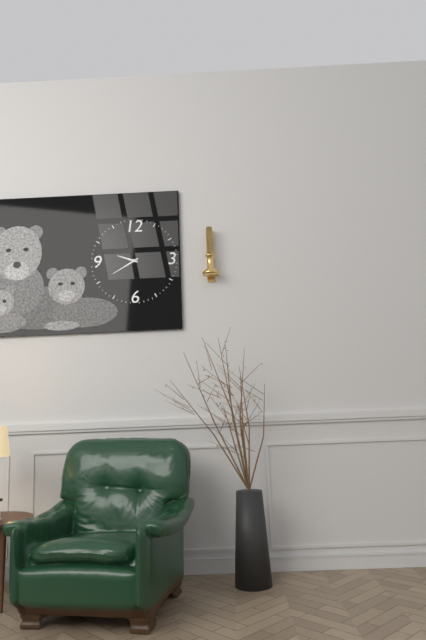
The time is h=9 m=40
